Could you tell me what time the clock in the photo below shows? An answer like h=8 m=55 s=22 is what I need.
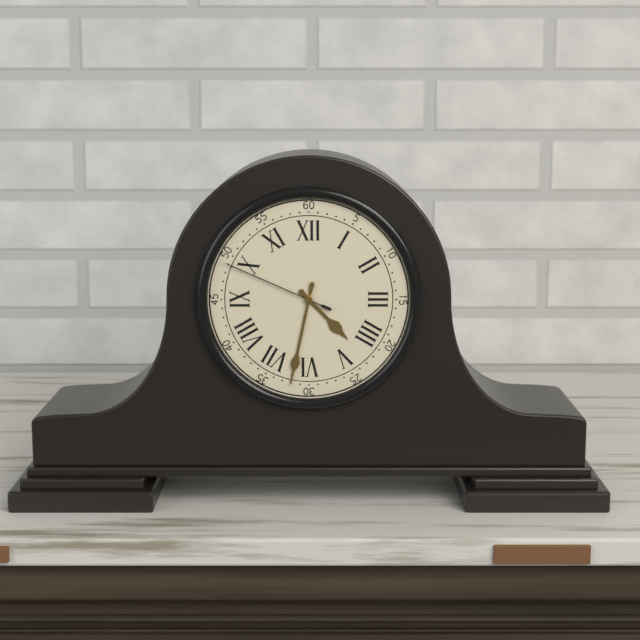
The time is h=4 m=32 s=49
